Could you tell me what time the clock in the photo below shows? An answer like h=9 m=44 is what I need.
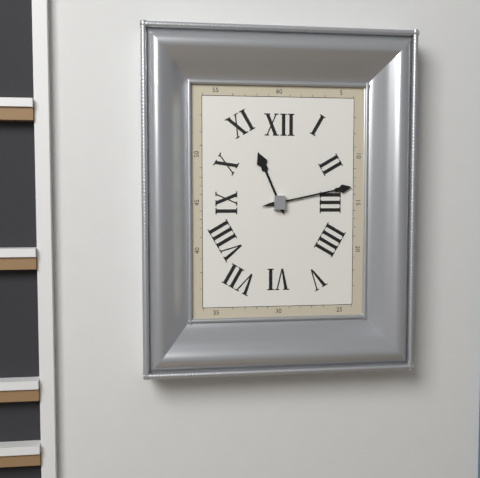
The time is h=11 m=13
